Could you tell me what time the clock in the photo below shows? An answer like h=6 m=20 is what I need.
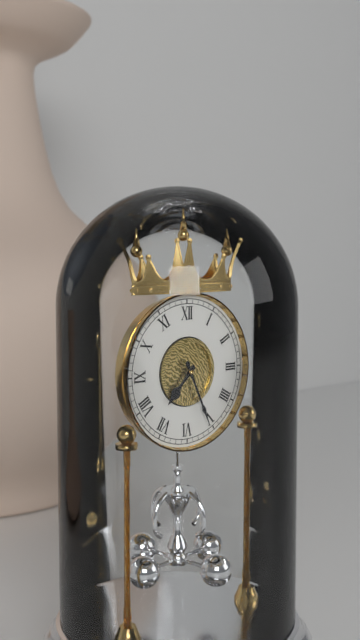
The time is h=7 m=26
